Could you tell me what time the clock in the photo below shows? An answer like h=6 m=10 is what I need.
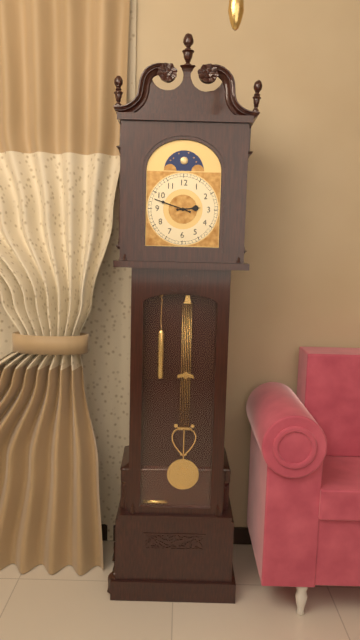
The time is h=2 m=48
